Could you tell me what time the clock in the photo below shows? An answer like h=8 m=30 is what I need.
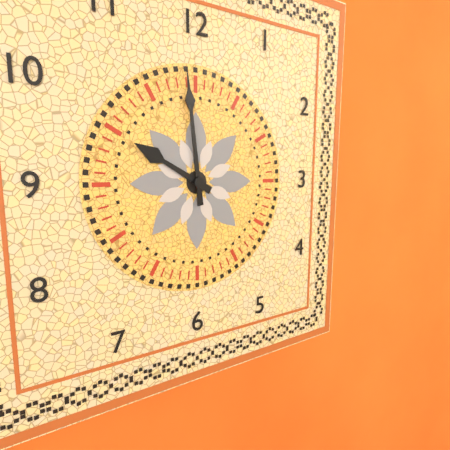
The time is h=9 m=59
